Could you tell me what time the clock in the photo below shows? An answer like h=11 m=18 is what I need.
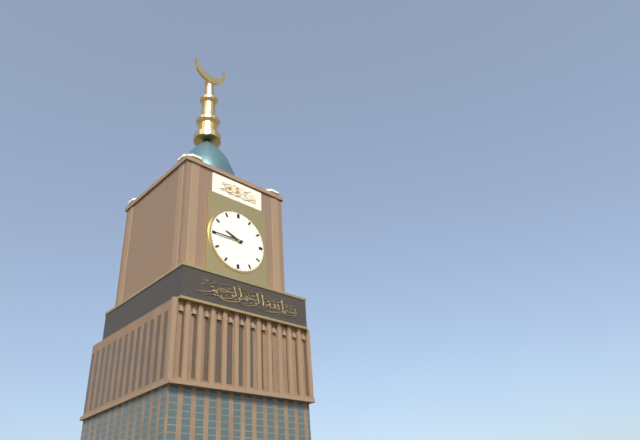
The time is h=9 m=45
